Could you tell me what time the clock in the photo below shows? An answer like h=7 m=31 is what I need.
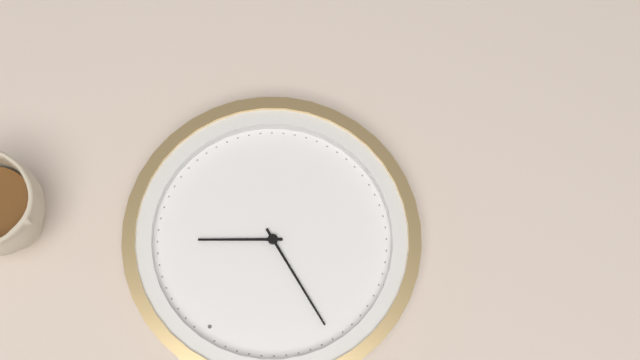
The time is h=1 m=49
